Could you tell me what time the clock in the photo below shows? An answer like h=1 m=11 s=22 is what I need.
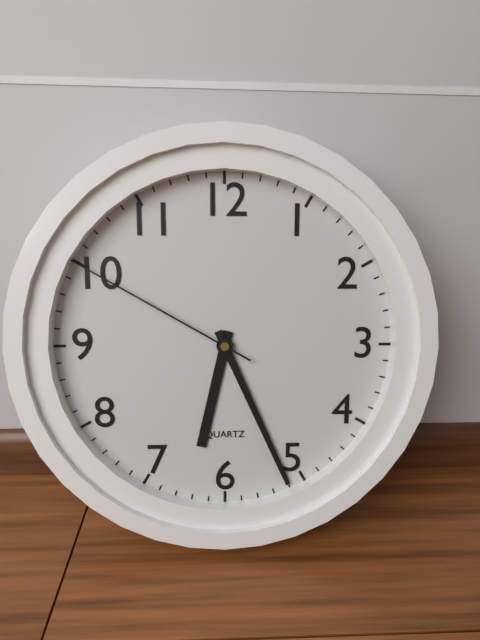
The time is h=6 m=26 s=50
